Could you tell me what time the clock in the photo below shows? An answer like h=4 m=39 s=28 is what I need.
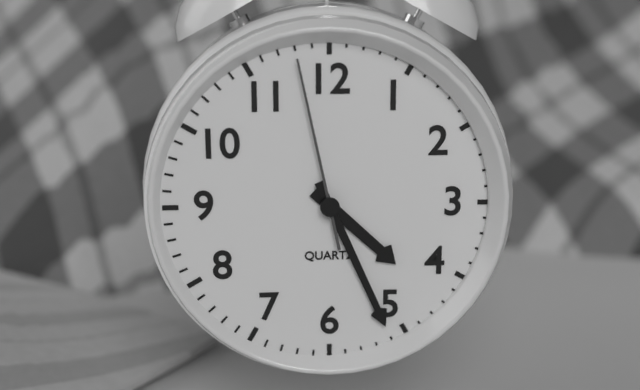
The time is h=4 m=26 s=58
